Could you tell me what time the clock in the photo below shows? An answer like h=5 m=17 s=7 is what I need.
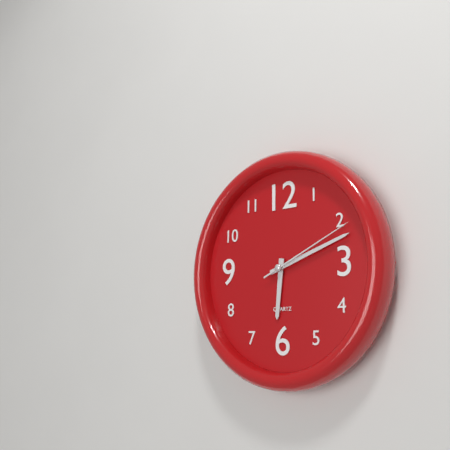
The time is h=6 m=12 s=11
